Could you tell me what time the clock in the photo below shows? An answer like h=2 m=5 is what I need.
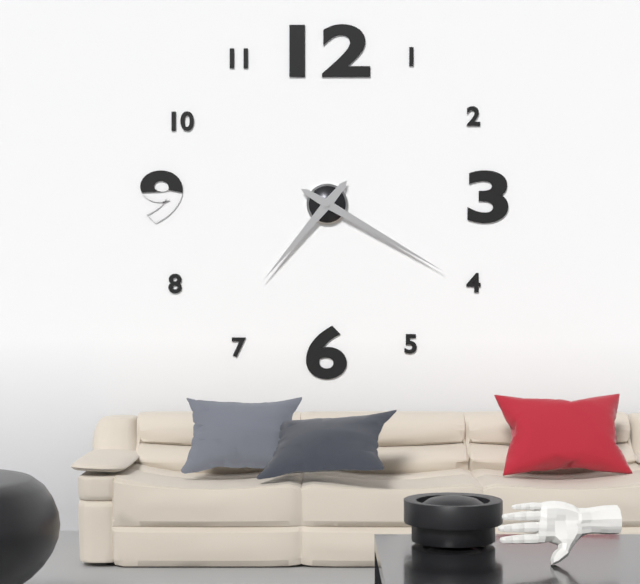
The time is h=7 m=20
